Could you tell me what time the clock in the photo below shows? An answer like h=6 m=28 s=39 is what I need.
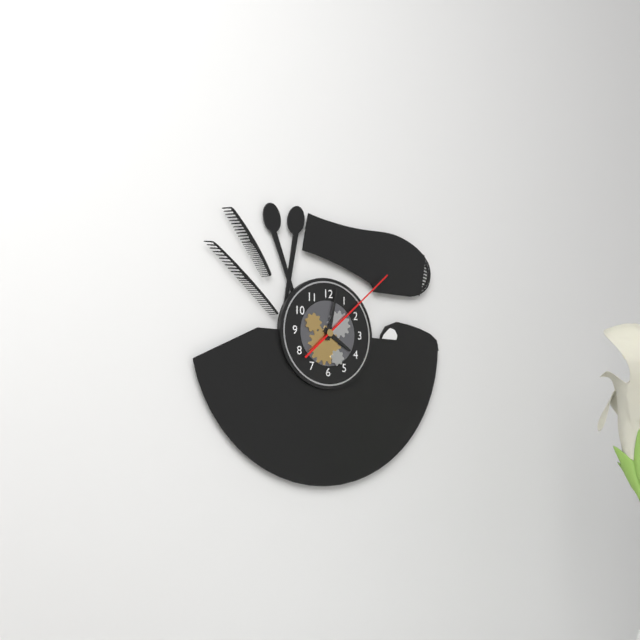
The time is h=4 m=2 s=8
